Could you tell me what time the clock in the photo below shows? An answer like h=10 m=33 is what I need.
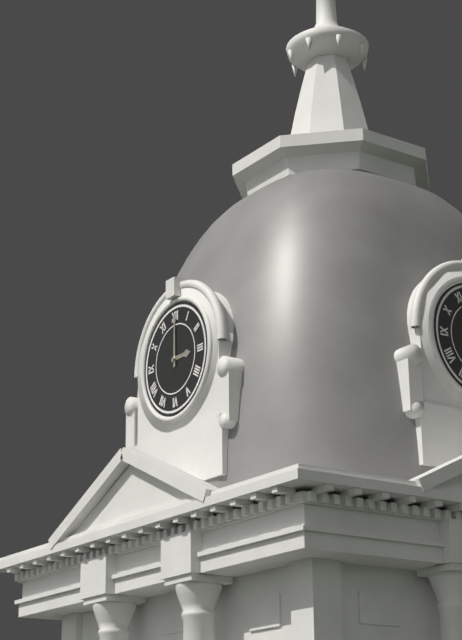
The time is h=3 m=0
